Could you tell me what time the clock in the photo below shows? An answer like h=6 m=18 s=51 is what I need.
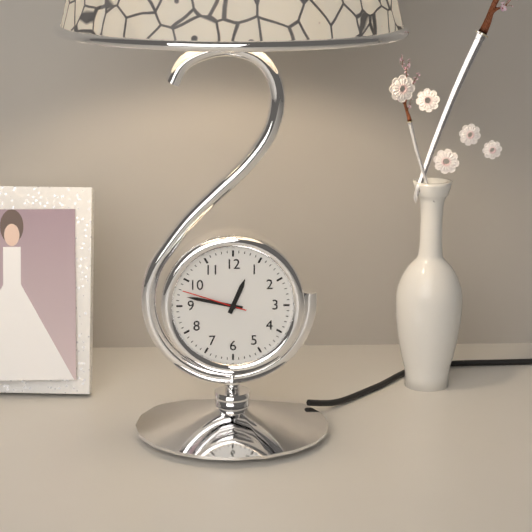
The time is h=12 m=47 s=48
